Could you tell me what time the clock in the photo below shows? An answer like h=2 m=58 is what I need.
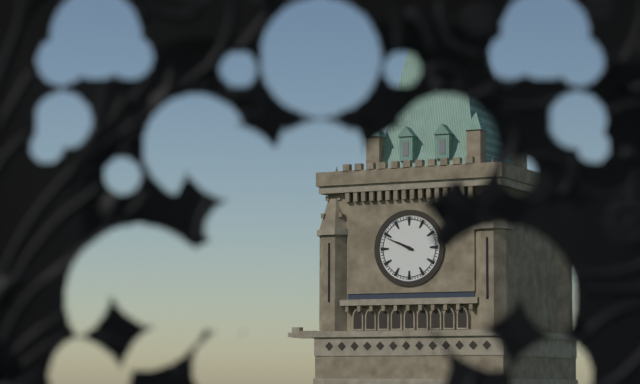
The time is h=9 m=49
